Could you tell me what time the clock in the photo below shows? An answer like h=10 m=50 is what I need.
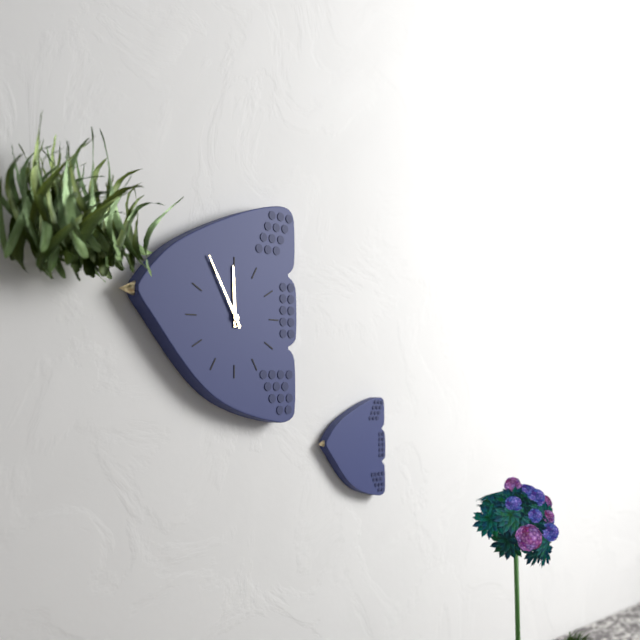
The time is h=11 m=55
